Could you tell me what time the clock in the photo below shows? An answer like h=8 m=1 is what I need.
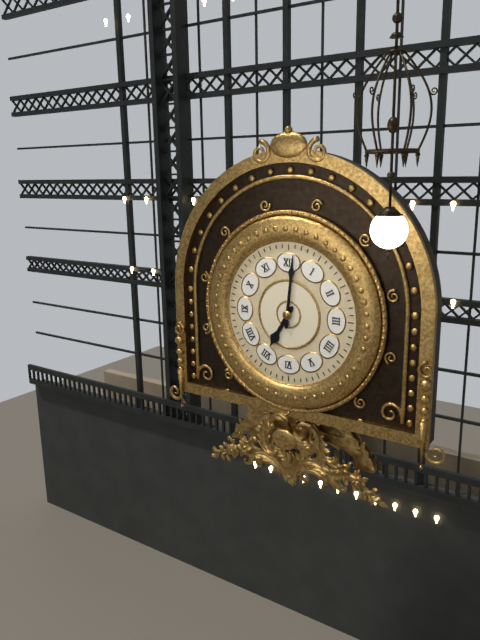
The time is h=7 m=1
